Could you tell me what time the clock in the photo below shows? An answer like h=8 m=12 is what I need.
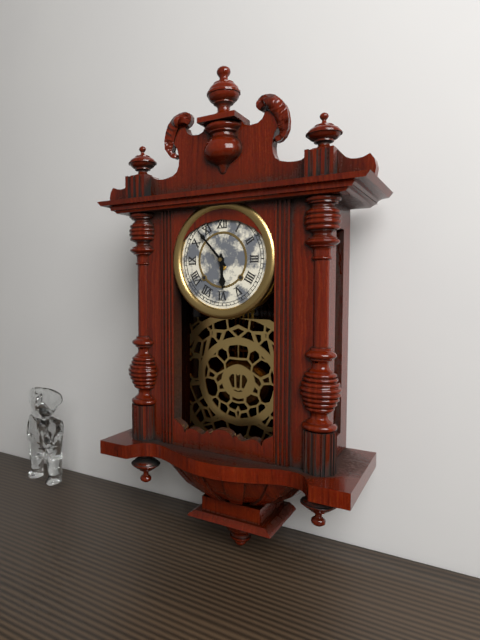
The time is h=5 m=53
